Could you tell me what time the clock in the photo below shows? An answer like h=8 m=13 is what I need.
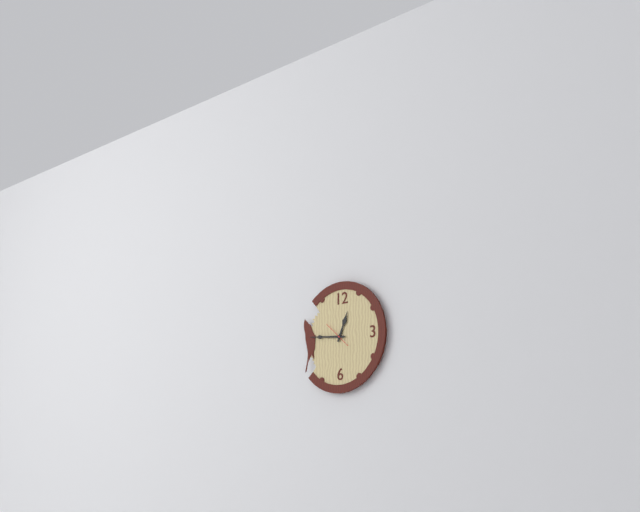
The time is h=12 m=46
